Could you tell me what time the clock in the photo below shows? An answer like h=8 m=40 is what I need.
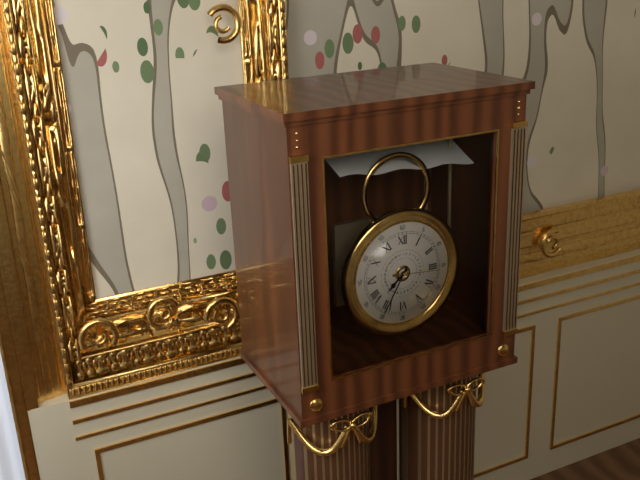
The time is h=7 m=35
